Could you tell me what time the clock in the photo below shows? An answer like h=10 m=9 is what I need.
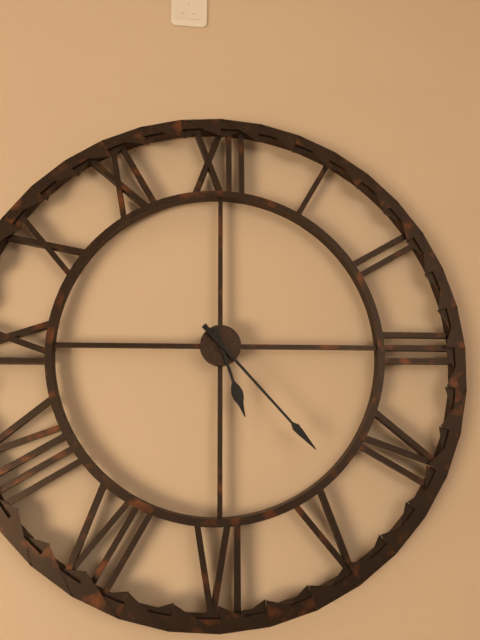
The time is h=5 m=23
